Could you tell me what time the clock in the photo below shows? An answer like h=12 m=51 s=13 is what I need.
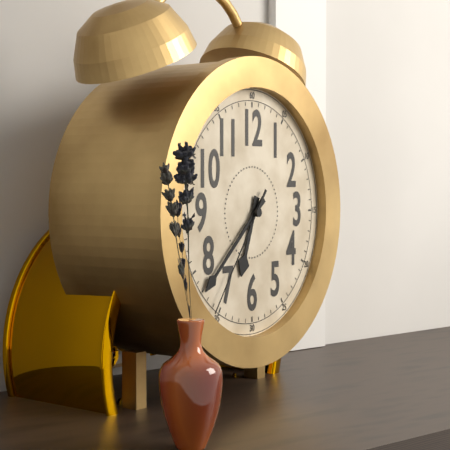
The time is h=6 m=38 s=36
